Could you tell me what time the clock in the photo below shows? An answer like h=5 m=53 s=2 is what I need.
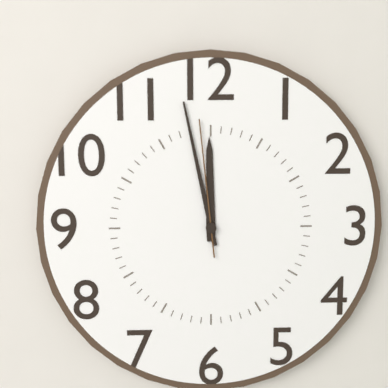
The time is h=11 m=58 s=59
